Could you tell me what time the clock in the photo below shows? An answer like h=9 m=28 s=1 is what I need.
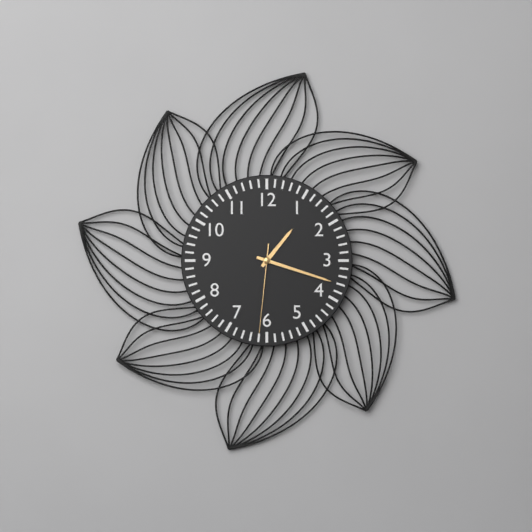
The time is h=1 m=18 s=31
